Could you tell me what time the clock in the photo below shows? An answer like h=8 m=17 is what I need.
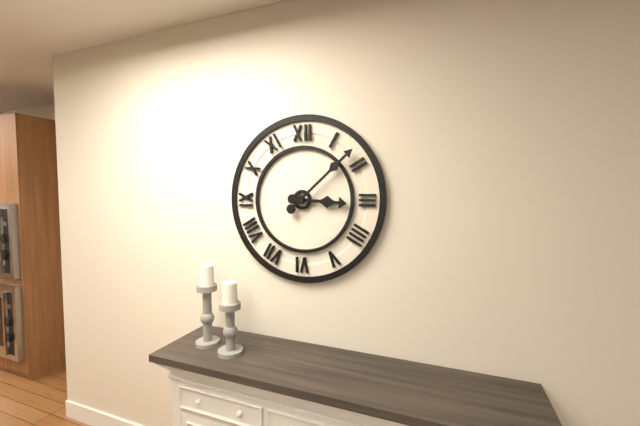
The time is h=3 m=8
